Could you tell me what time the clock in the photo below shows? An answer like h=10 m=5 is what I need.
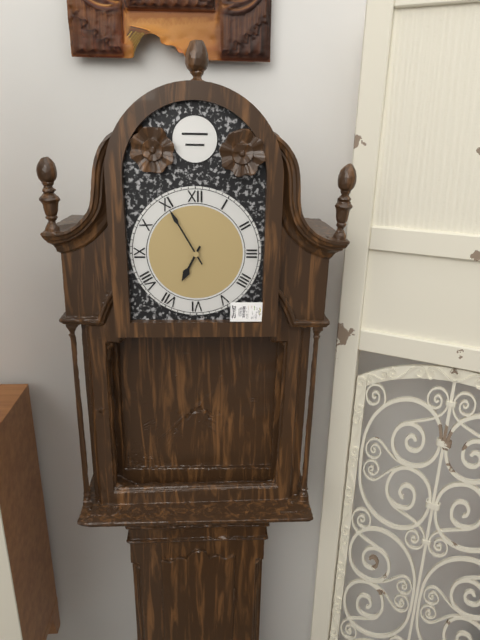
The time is h=6 m=55
